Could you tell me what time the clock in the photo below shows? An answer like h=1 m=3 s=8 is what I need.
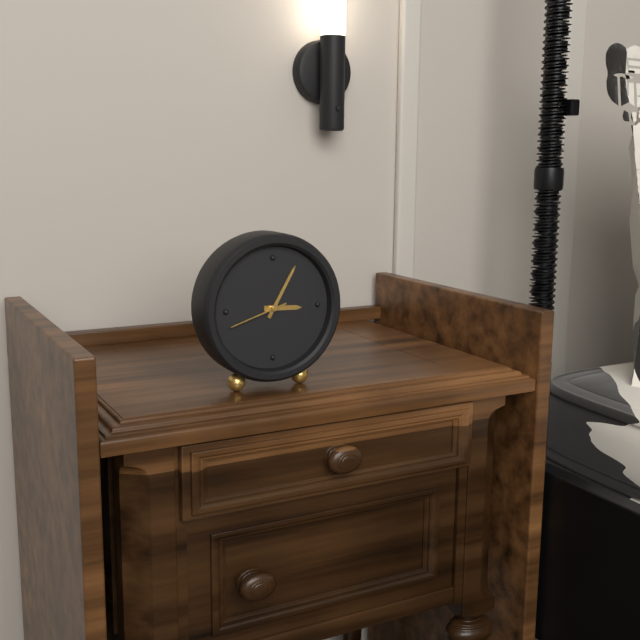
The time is h=3 m=5 s=42
